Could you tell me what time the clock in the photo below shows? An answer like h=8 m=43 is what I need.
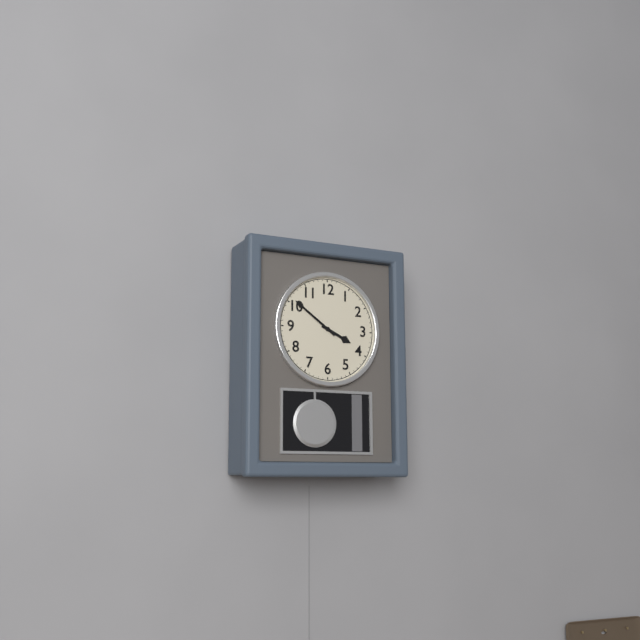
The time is h=3 m=51
